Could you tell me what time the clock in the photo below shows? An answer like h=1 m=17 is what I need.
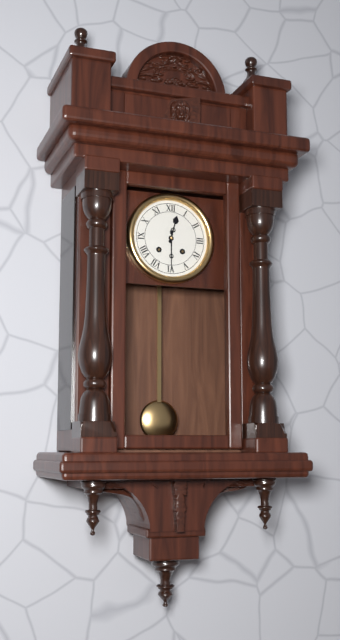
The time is h=12 m=30
